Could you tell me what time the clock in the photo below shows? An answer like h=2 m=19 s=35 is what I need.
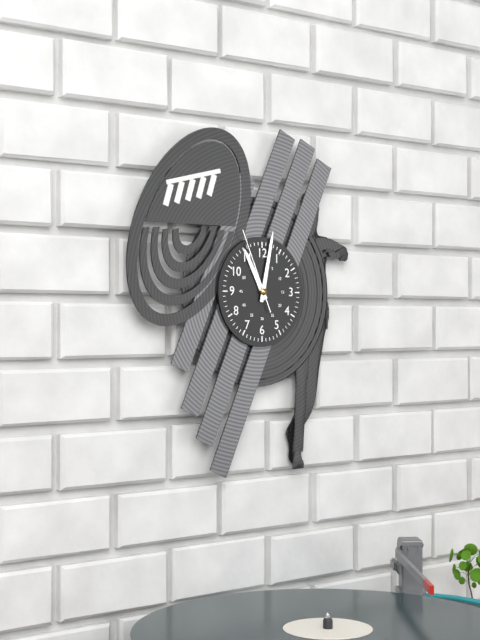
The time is h=11 m=2 s=56
